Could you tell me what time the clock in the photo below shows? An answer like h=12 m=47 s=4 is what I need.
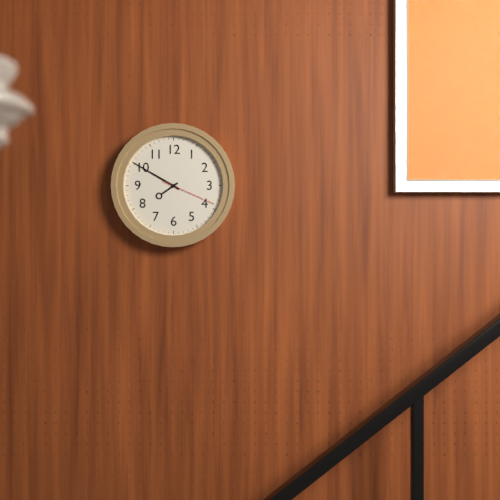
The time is h=7 m=50 s=19
